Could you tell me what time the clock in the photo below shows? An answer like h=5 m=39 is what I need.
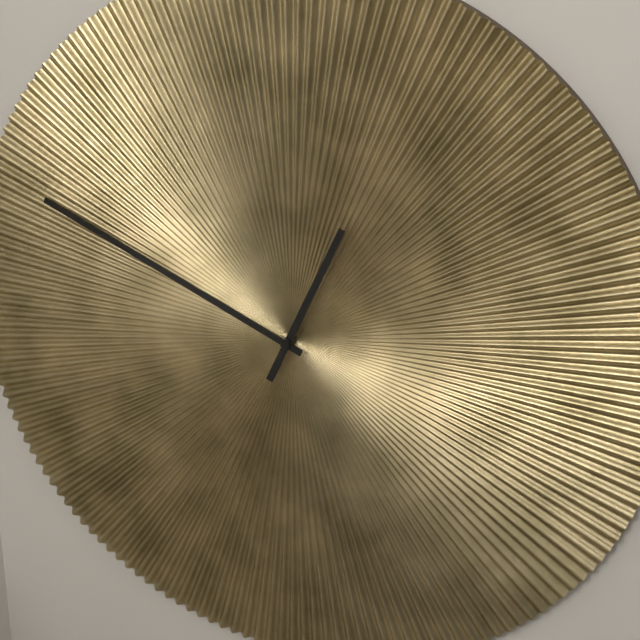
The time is h=12 m=49
